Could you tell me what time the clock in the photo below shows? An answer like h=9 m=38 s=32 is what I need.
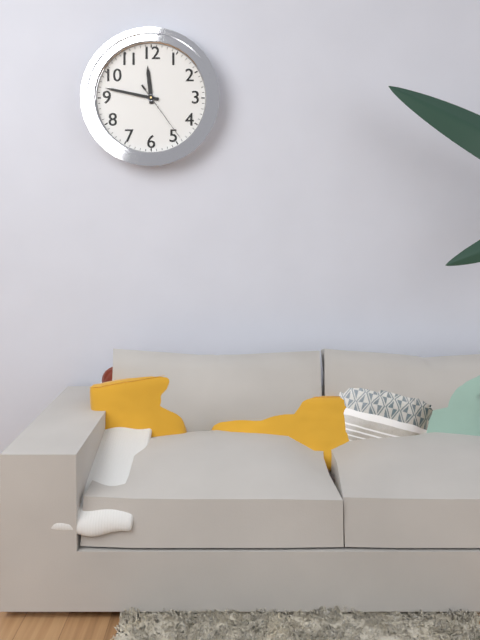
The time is h=11 m=47 s=24
